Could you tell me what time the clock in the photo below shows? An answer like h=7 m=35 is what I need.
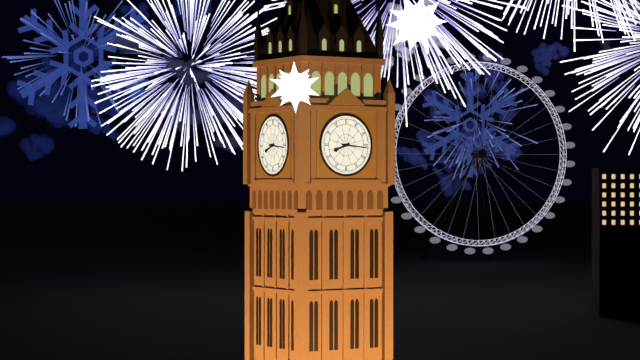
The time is h=8 m=16
